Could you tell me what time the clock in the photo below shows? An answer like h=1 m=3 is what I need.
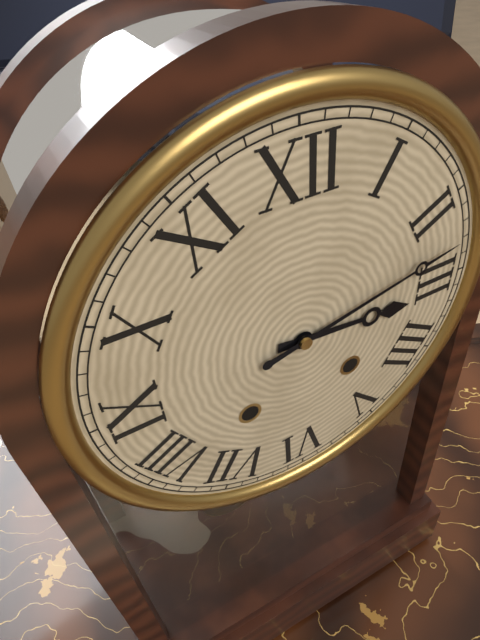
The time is h=3 m=13
